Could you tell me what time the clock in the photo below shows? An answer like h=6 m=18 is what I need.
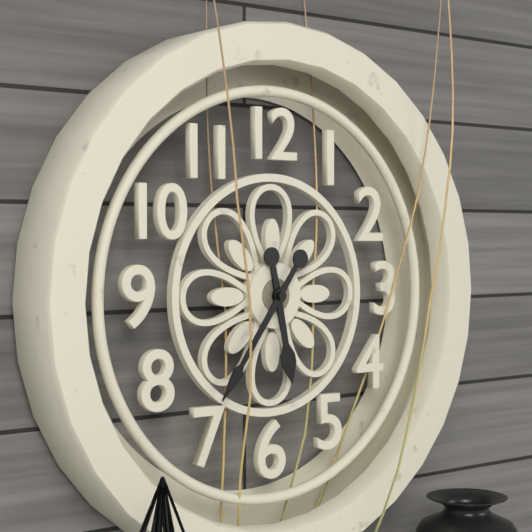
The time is h=5 m=36
